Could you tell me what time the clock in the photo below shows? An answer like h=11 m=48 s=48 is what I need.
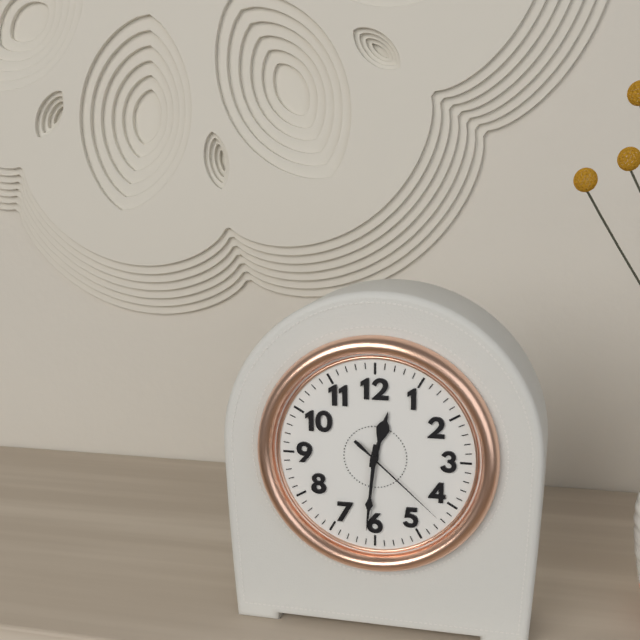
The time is h=12 m=31 s=22
